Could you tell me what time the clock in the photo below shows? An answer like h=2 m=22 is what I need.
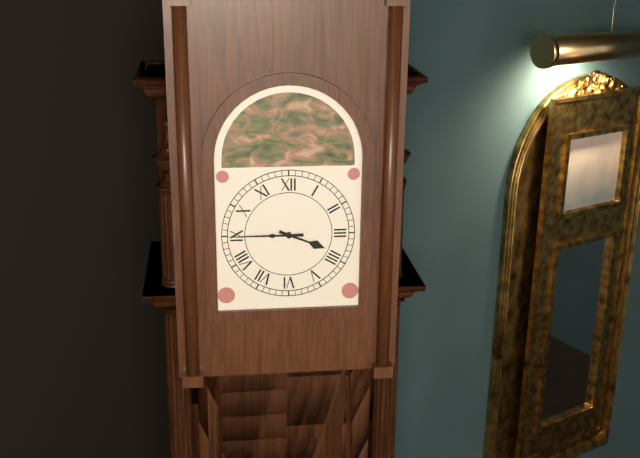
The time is h=3 m=45
